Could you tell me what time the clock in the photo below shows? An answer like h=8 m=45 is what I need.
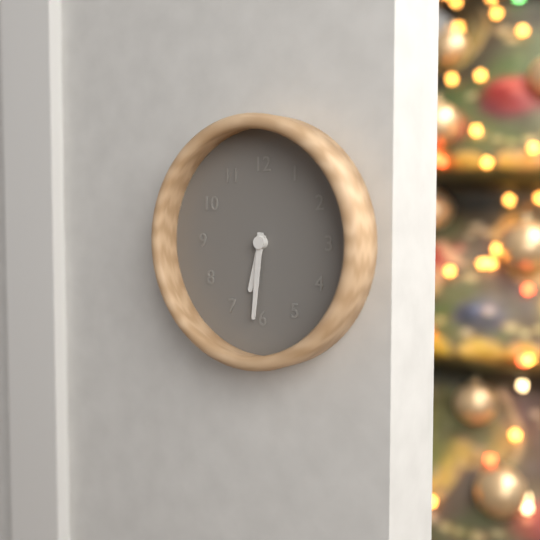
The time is h=6 m=31
